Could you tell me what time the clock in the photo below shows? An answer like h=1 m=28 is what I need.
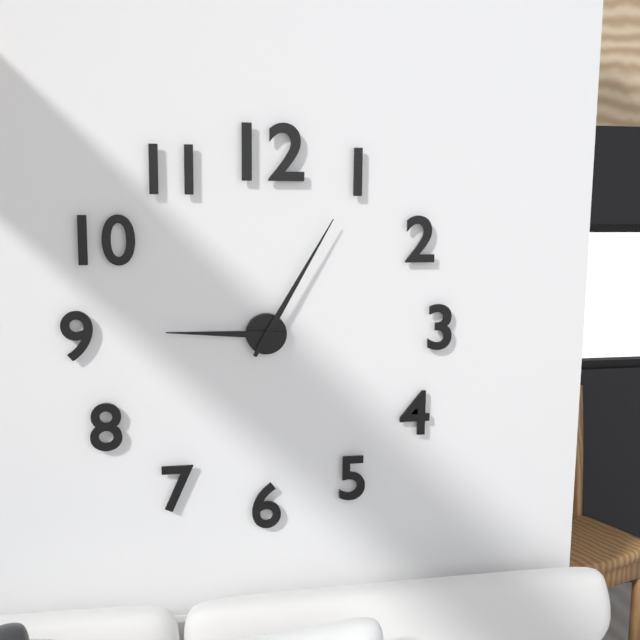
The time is h=9 m=5
